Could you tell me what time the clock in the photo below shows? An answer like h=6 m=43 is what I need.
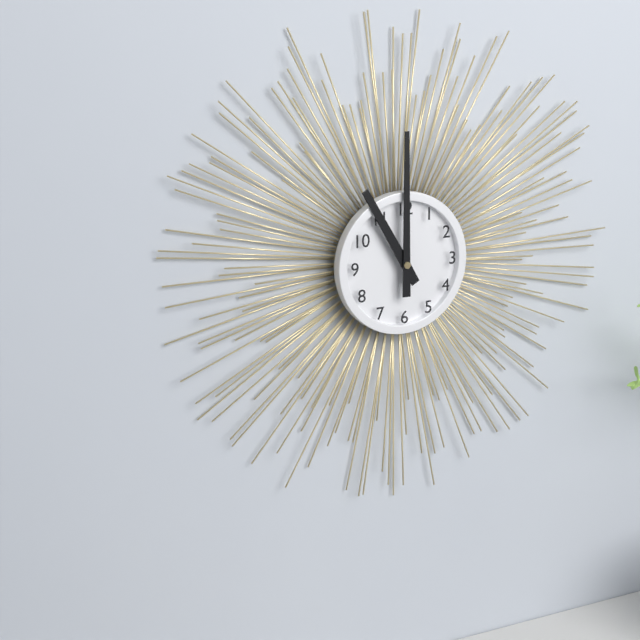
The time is h=11 m=0
